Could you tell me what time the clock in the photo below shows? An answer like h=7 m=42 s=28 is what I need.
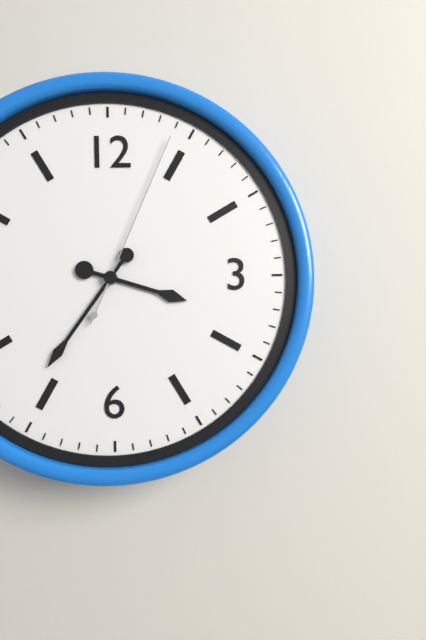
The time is h=3 m=36 s=4
